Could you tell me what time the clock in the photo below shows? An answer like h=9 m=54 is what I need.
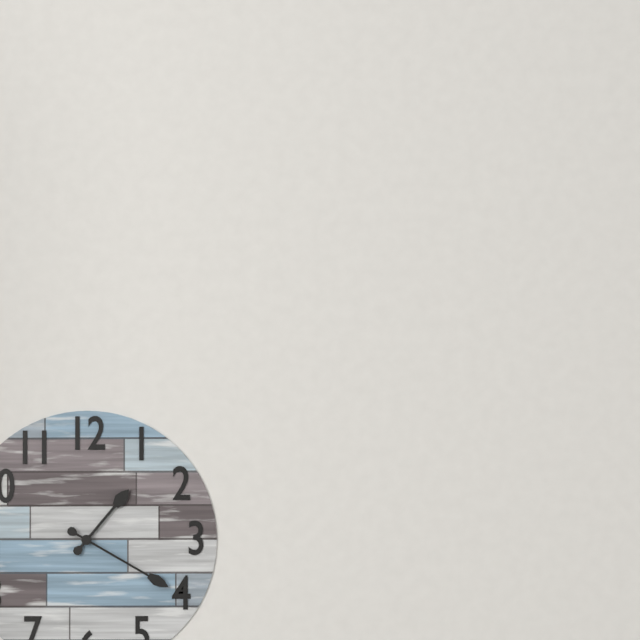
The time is h=1 m=20
